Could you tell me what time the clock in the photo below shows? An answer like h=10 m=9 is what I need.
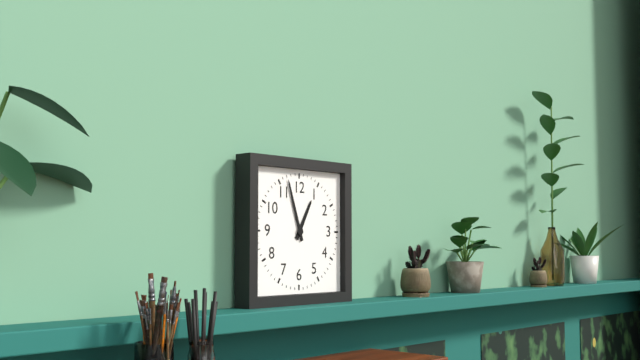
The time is h=12 m=57
